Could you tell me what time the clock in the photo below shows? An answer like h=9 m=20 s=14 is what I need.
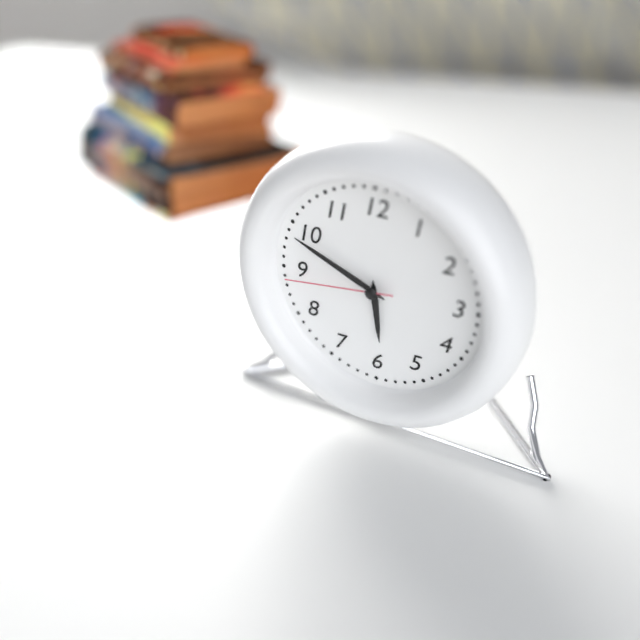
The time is h=5 m=49 s=44
